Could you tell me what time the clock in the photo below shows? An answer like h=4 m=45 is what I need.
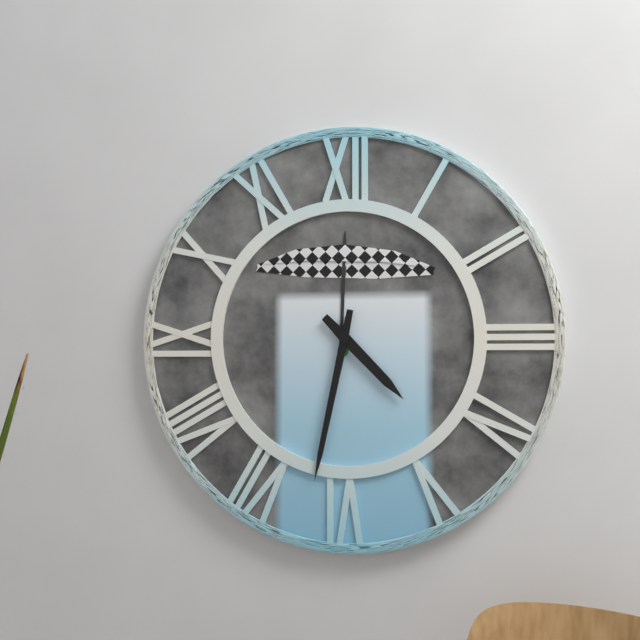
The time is h=4 m=32
